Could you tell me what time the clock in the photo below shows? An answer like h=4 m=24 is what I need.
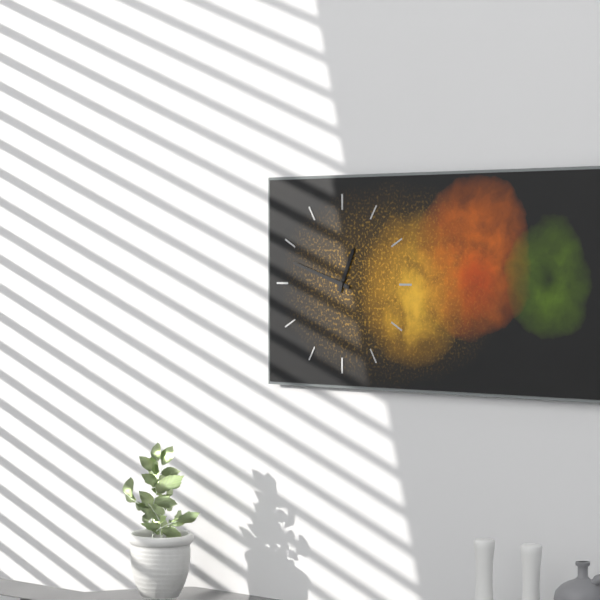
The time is h=12 m=48
